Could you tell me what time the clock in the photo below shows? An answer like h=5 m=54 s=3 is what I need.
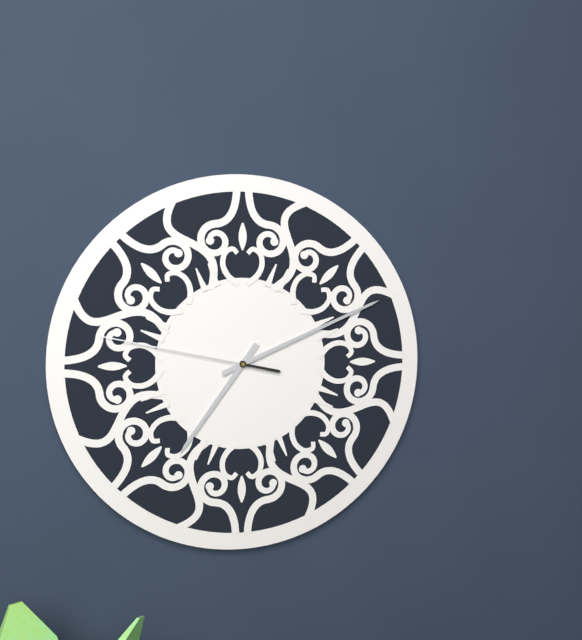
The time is h=7 m=11 s=47
